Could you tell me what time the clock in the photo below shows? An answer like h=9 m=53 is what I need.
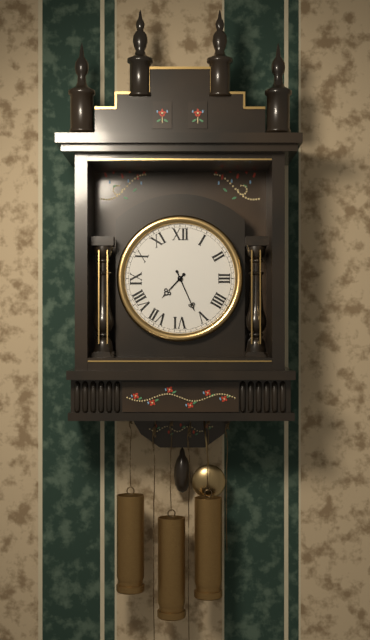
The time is h=7 m=26
